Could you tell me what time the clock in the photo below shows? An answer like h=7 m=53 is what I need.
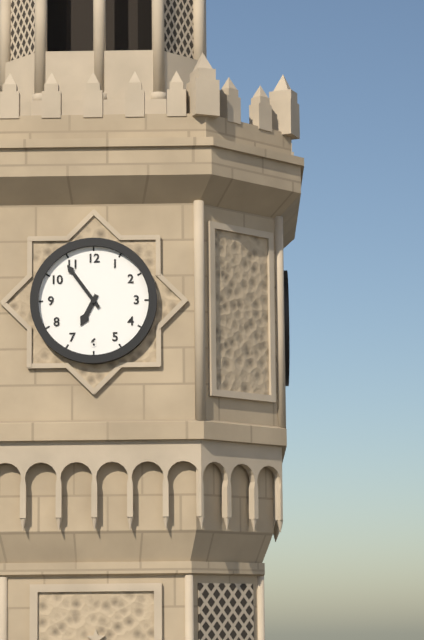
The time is h=6 m=54
